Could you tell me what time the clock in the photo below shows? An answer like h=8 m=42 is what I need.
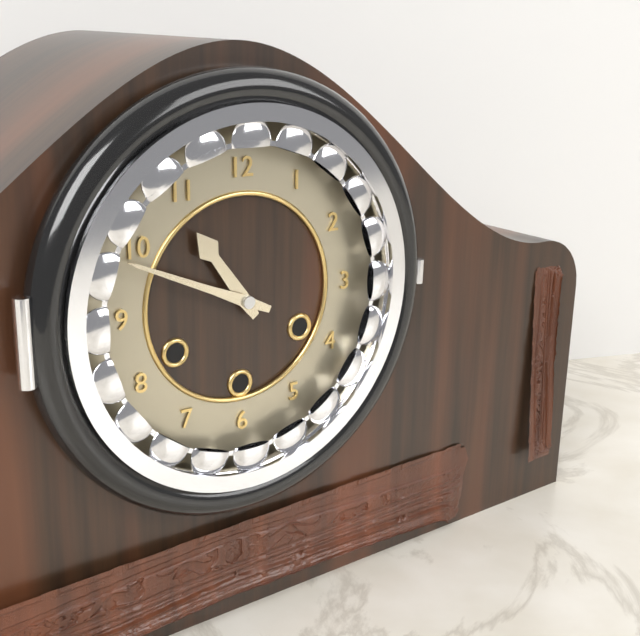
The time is h=10 m=49
